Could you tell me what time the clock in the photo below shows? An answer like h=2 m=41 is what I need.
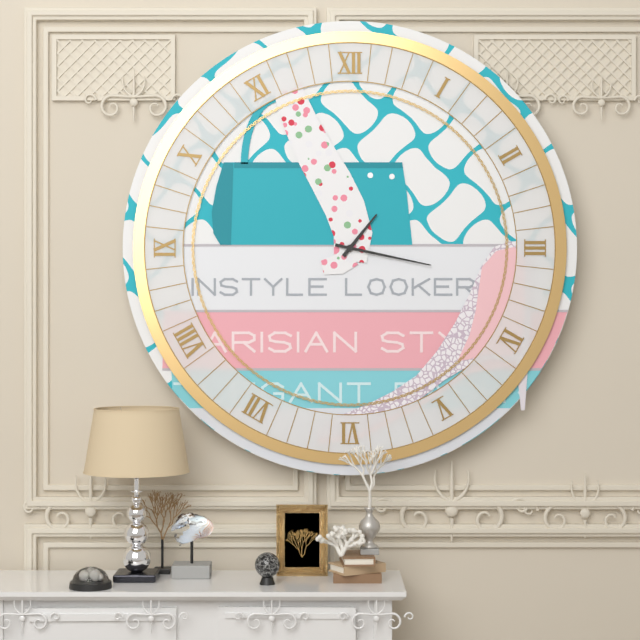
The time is h=1 m=17
